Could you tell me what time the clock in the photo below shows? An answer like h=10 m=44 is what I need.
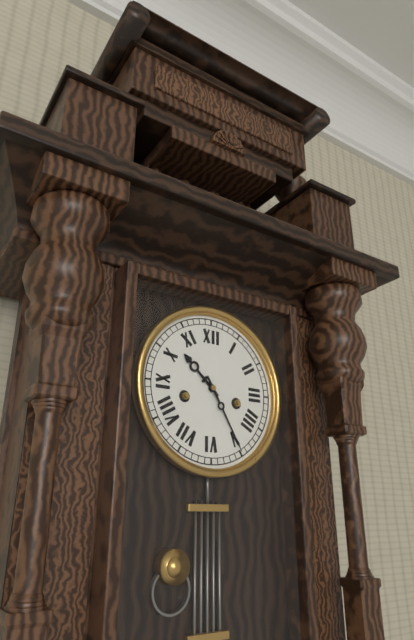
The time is h=10 m=25
